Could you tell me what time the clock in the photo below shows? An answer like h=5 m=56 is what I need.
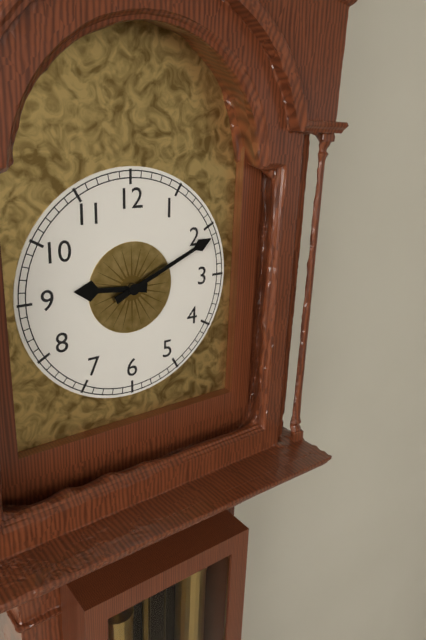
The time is h=9 m=11
